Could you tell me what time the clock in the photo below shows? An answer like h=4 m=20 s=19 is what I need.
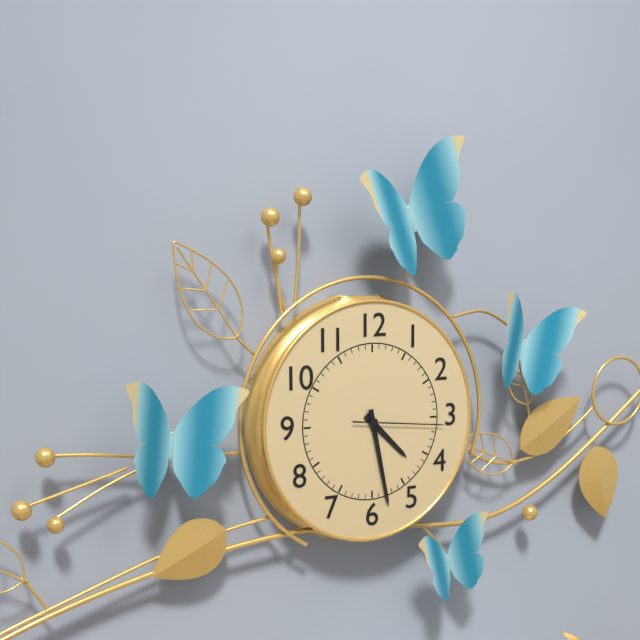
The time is h=4 m=28 s=16
